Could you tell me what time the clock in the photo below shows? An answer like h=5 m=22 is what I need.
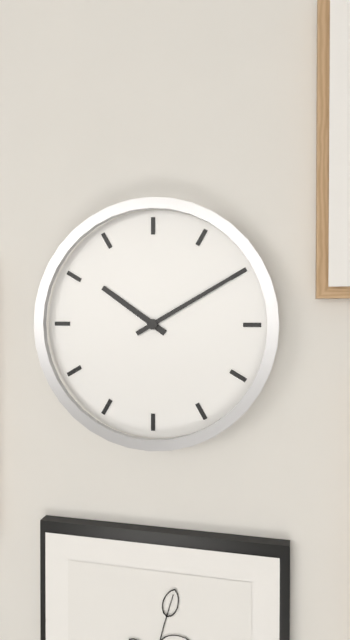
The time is h=10 m=10
